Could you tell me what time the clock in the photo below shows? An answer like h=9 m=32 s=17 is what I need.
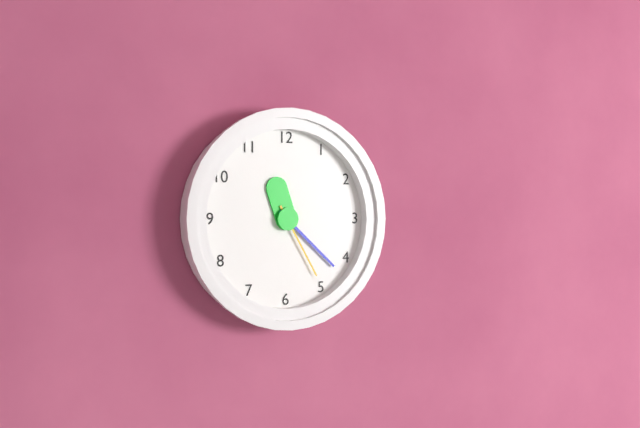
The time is h=11 m=22 s=25
